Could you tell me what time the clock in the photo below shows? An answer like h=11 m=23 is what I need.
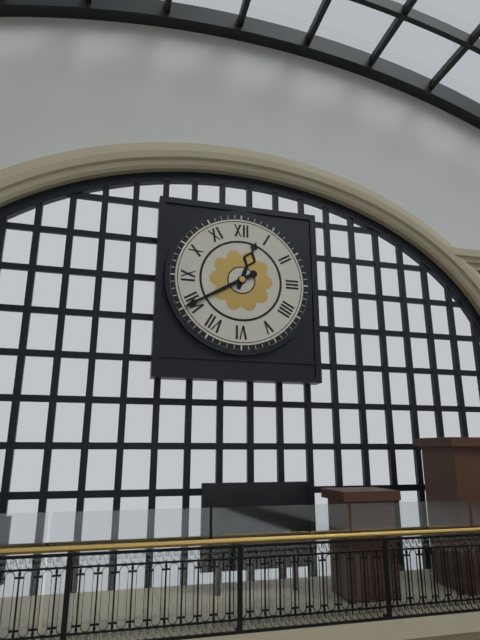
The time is h=12 m=40
